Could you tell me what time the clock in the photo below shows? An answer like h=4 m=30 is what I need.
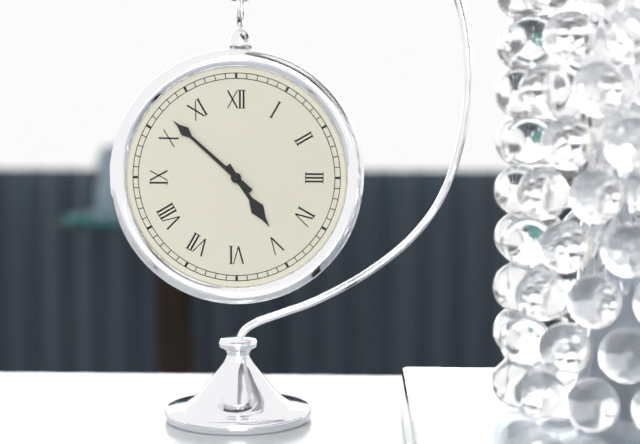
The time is h=4 m=52
